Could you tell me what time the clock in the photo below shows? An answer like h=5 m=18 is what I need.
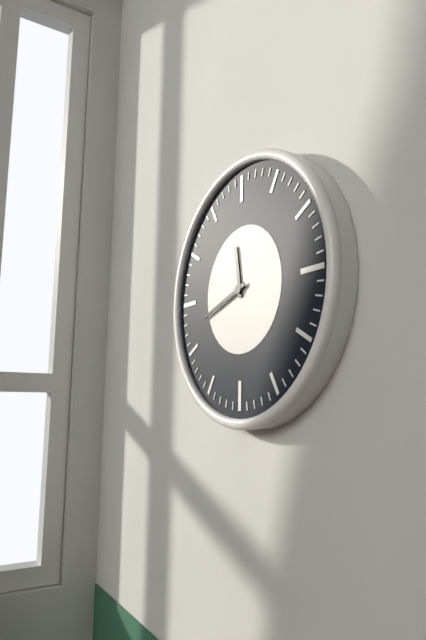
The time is h=11 m=42
